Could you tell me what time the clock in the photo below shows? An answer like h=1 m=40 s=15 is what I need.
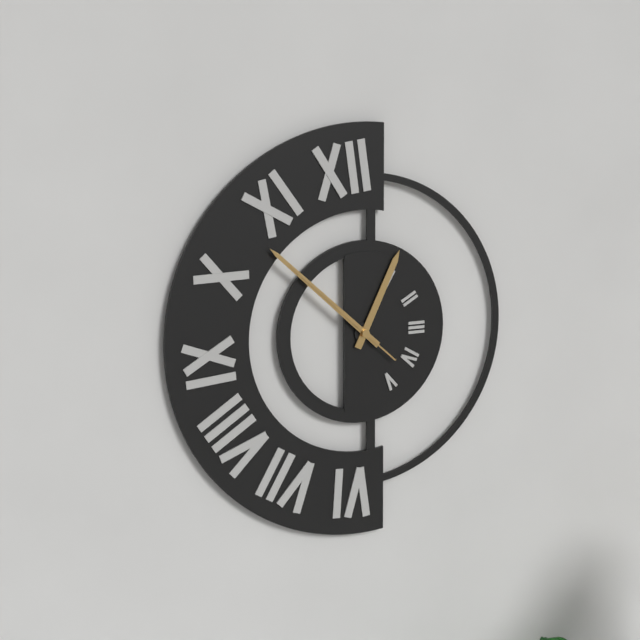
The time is h=12 m=52 s=52
